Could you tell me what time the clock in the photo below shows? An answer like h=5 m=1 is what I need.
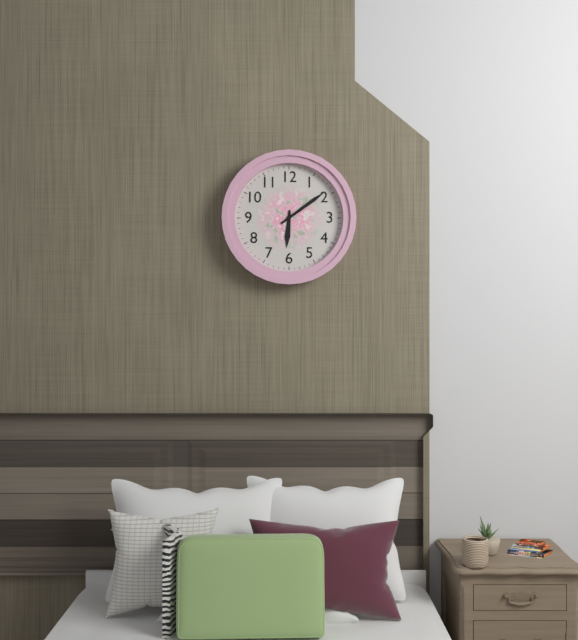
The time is h=6 m=9
